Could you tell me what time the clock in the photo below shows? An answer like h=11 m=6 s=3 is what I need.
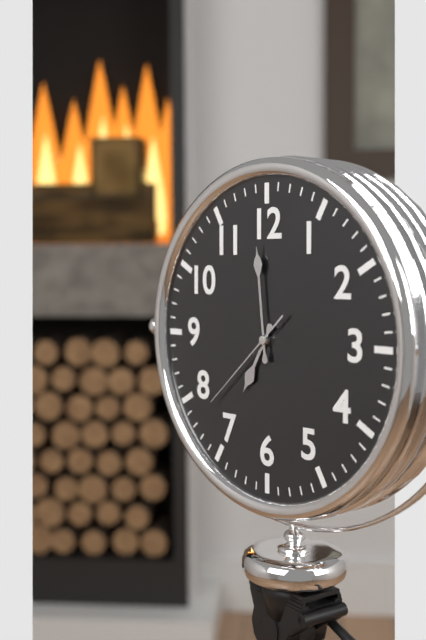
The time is h=6 m=59 s=38
